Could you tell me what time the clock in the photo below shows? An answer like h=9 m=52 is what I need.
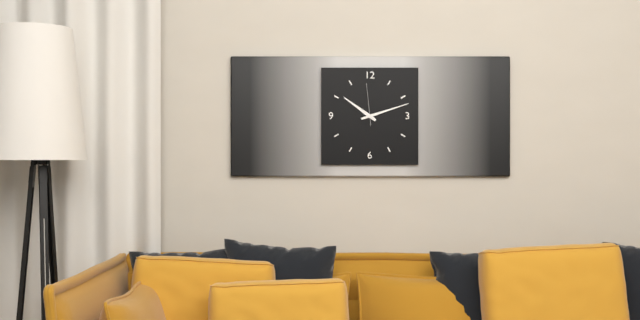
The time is h=10 m=12
